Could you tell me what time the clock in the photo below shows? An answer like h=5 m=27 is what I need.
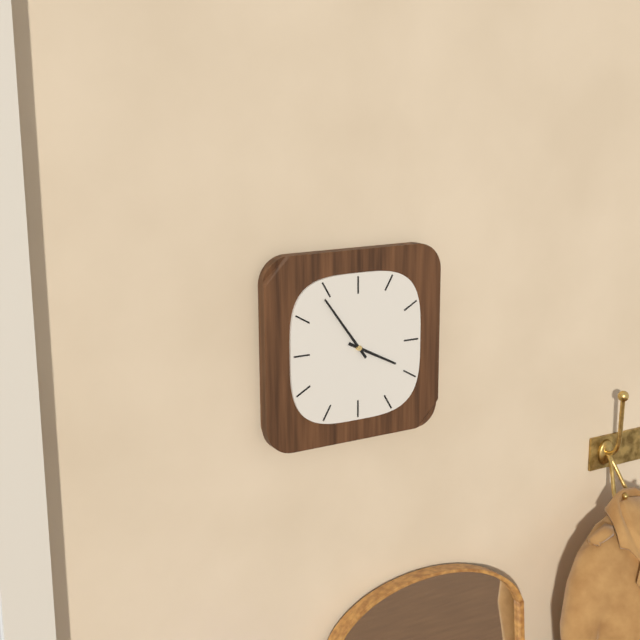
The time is h=3 m=54
